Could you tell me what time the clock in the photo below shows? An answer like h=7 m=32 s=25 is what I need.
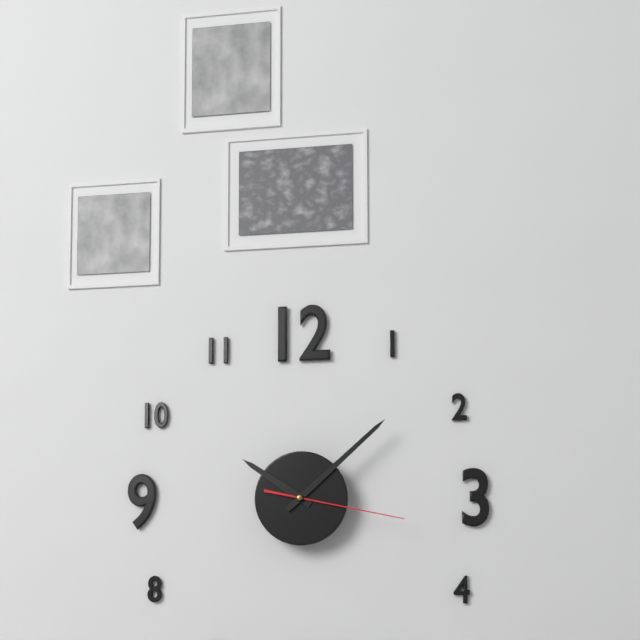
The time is h=10 m=8 s=17
